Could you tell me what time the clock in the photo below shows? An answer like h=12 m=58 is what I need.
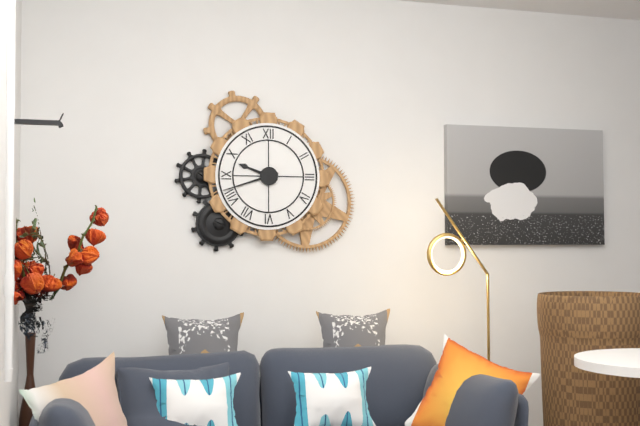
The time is h=9 m=42
